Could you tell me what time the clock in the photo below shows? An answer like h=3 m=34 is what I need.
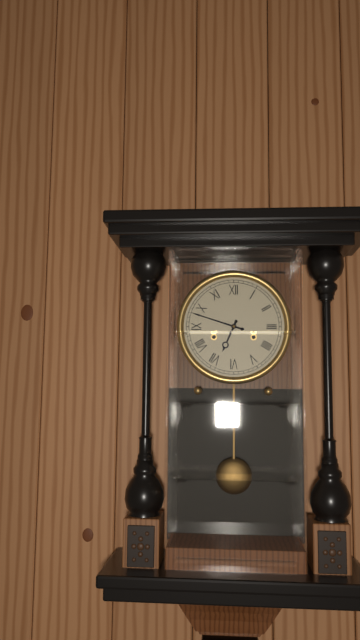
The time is h=6 m=48
